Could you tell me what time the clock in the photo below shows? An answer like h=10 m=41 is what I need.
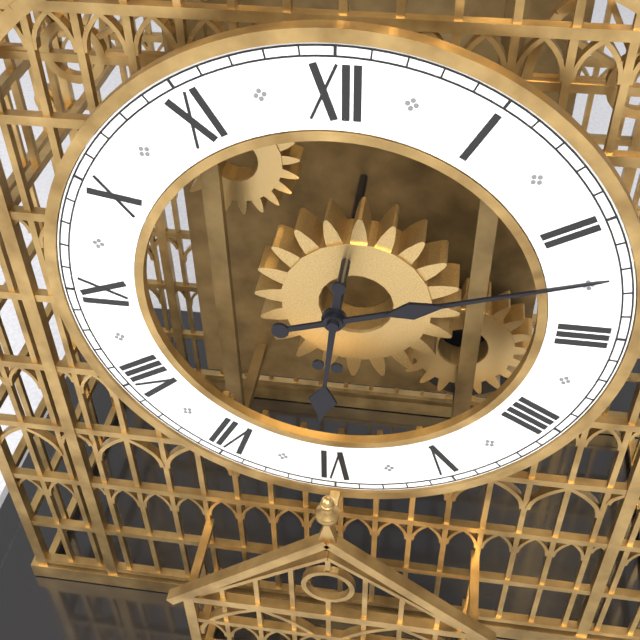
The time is h=6 m=12
